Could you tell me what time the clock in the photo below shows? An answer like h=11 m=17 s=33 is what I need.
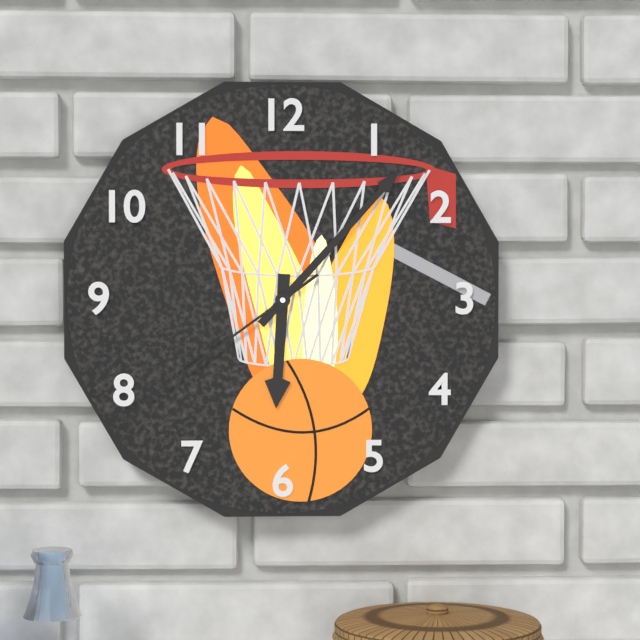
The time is h=6 m=7 s=39
